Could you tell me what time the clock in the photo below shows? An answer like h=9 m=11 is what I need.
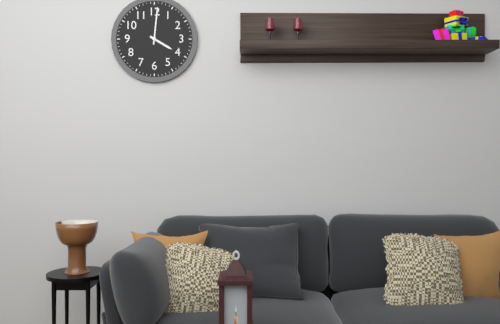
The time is h=4 m=1
